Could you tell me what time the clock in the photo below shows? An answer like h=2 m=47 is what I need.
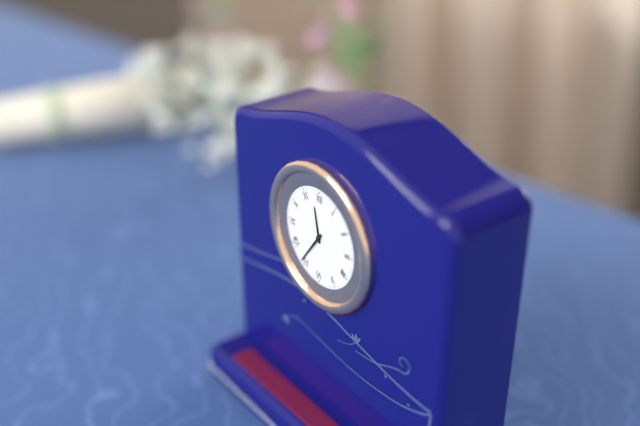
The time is h=11 m=36
